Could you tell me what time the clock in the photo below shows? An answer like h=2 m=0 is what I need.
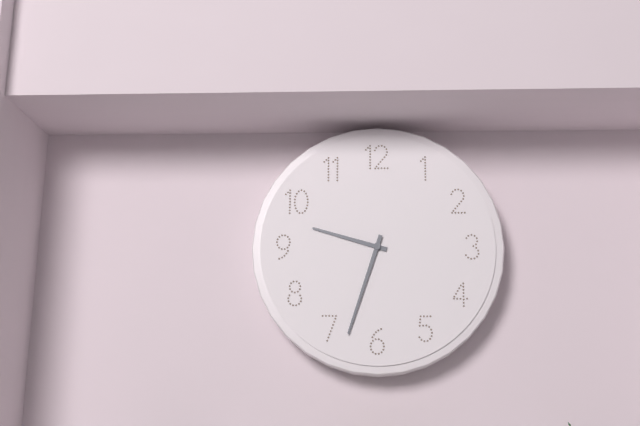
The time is h=9 m=33
